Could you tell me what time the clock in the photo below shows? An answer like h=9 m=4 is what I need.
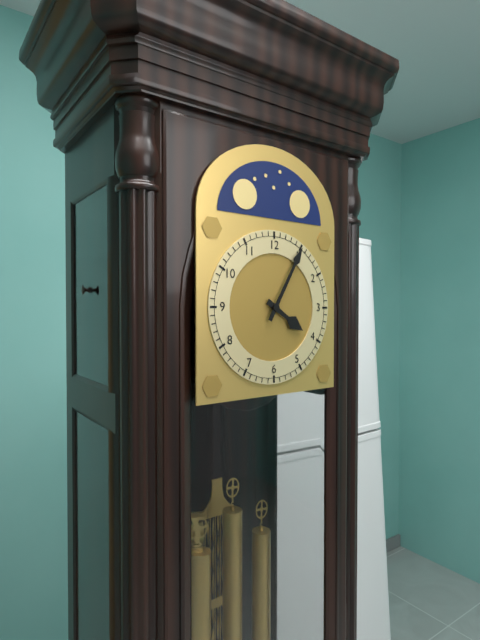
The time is h=4 m=5
